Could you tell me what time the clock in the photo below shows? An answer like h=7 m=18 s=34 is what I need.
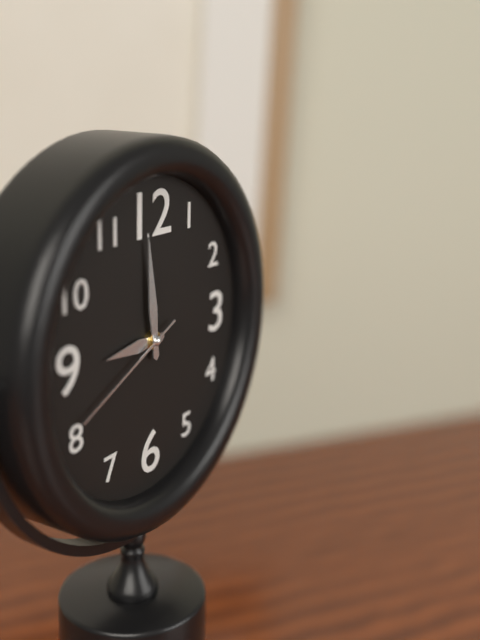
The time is h=8 m=59 s=41
